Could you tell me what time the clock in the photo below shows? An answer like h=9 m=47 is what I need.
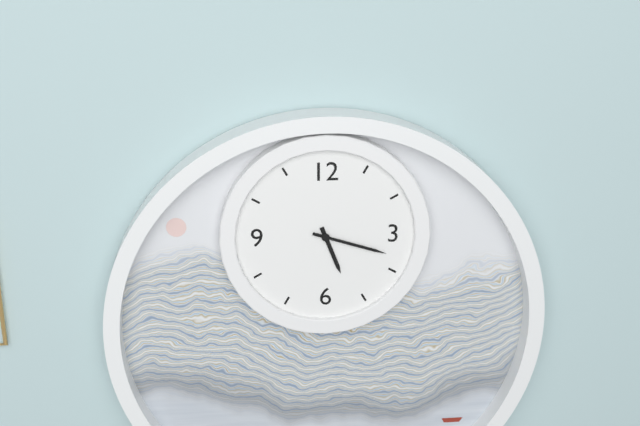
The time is h=5 m=18
